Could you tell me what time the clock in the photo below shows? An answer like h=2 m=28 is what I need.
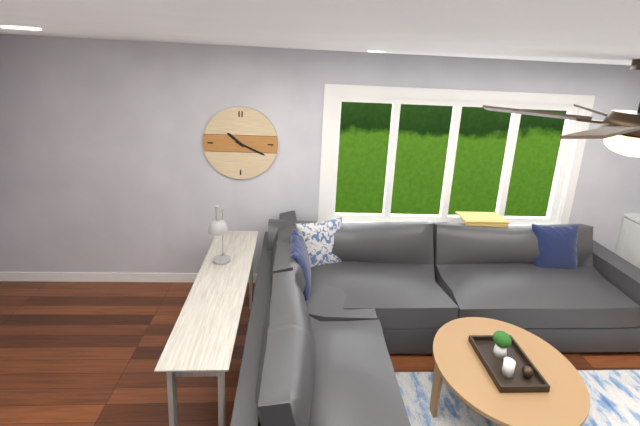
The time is h=10 m=19
